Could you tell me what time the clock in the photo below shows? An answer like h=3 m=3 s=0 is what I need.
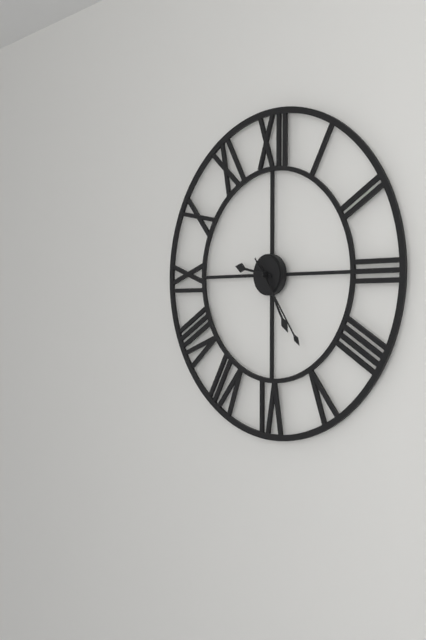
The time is h=9 m=25 s=24
